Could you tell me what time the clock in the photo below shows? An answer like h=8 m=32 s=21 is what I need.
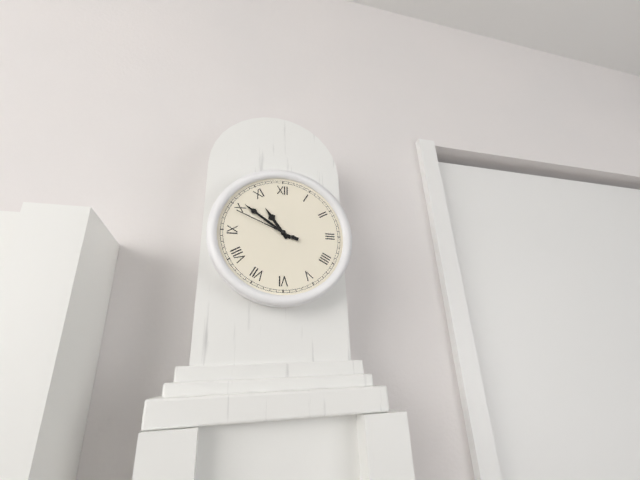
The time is h=10 m=51 s=49
